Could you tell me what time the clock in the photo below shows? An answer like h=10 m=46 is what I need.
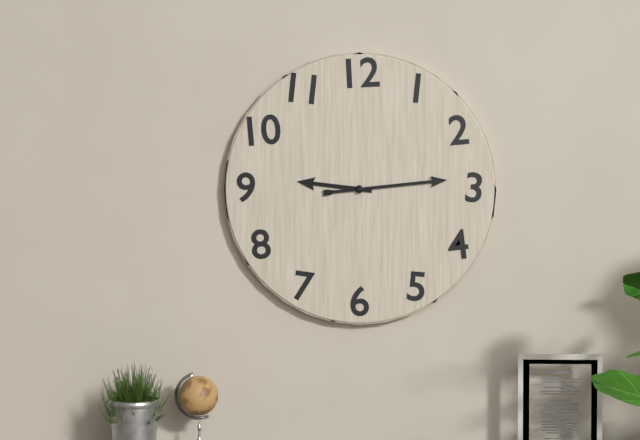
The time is h=9 m=14
